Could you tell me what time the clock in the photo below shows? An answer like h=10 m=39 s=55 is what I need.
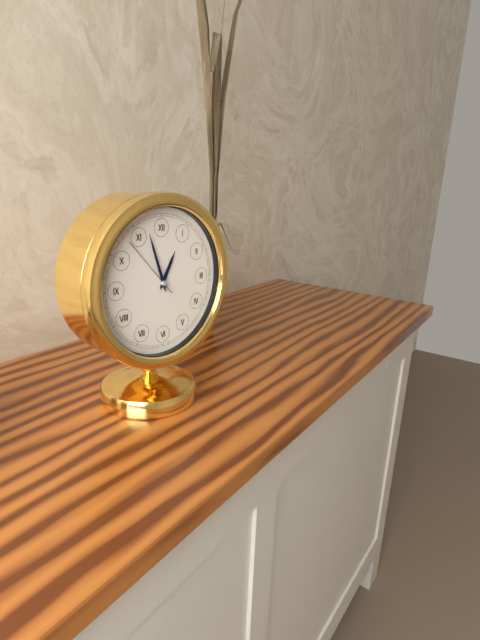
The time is h=12 m=57 s=53
